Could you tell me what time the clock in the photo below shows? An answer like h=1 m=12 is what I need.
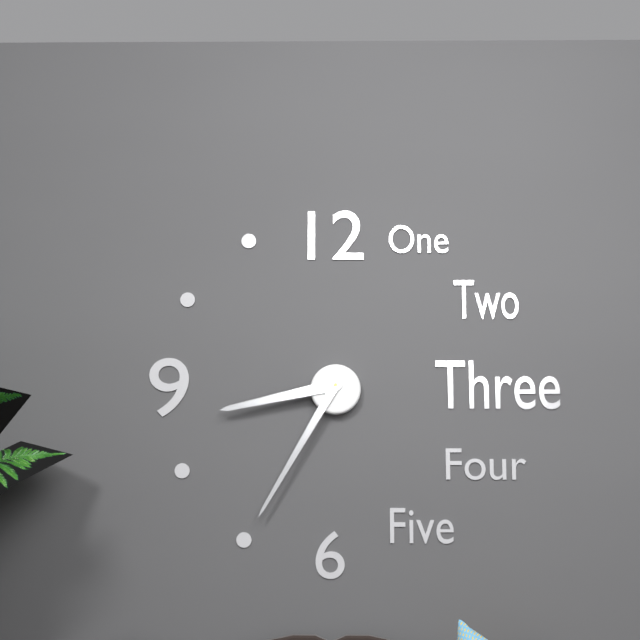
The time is h=8 m=35
